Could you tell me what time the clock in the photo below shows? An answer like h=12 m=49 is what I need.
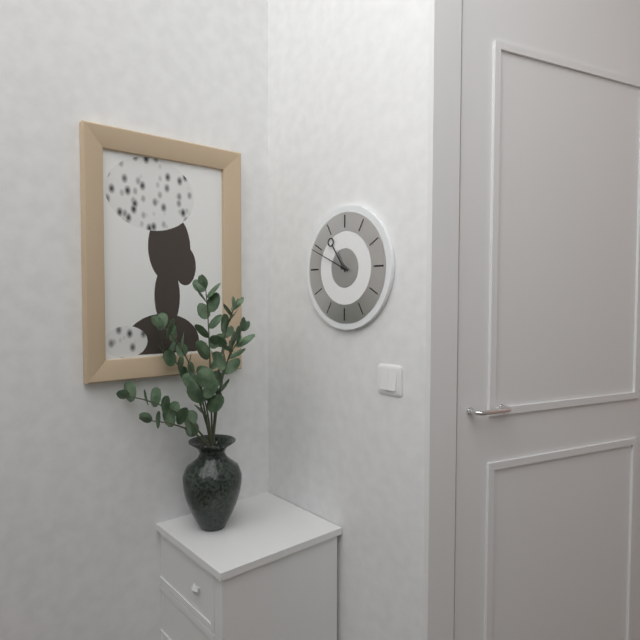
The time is h=10 m=49
